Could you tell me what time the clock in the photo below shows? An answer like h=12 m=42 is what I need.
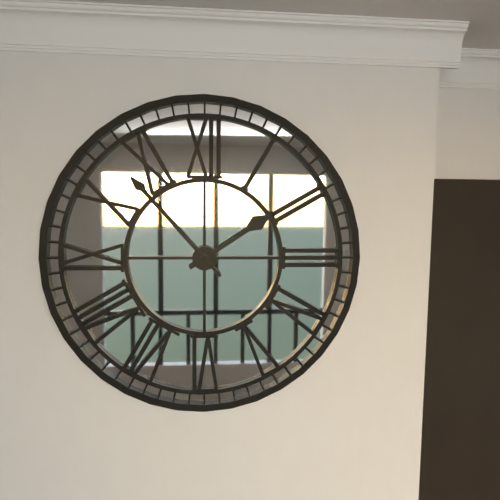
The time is h=1 m=53
